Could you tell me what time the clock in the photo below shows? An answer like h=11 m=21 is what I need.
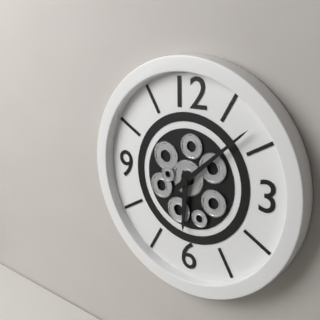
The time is h=6 m=8
